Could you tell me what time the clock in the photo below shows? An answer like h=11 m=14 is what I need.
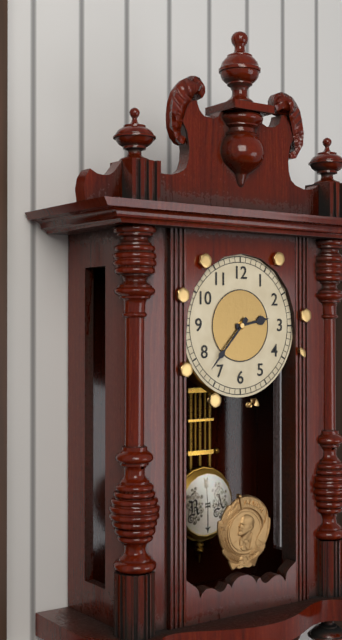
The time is h=2 m=37
